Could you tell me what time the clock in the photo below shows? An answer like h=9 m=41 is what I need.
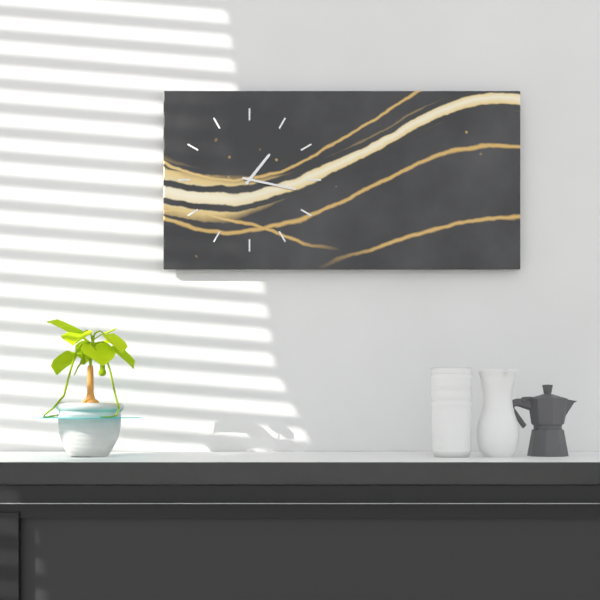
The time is h=1 m=17
